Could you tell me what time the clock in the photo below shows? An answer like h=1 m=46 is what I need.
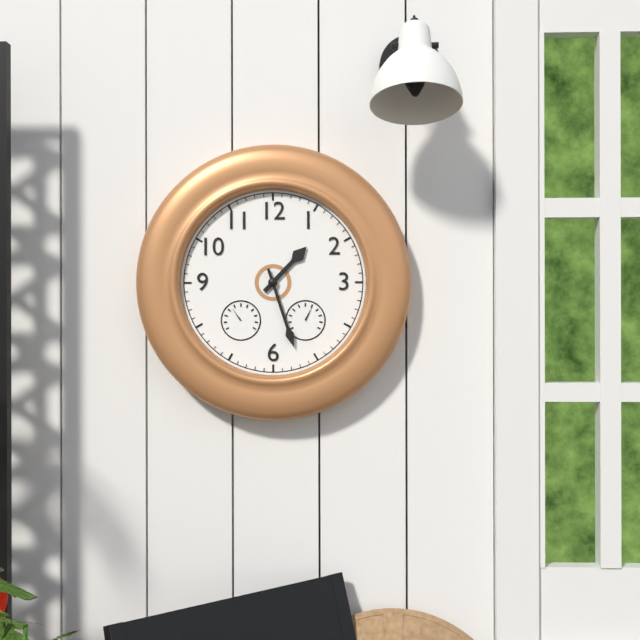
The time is h=1 m=27
